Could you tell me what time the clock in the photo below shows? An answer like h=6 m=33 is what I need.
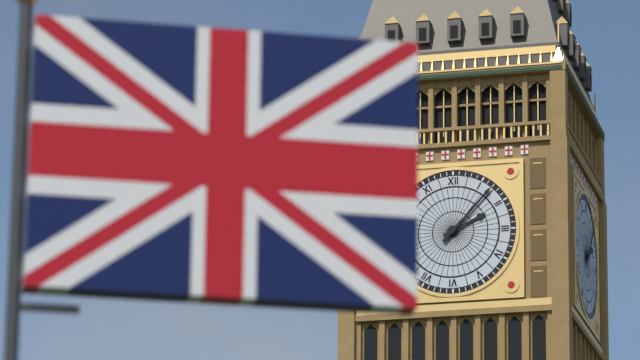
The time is h=2 m=7
